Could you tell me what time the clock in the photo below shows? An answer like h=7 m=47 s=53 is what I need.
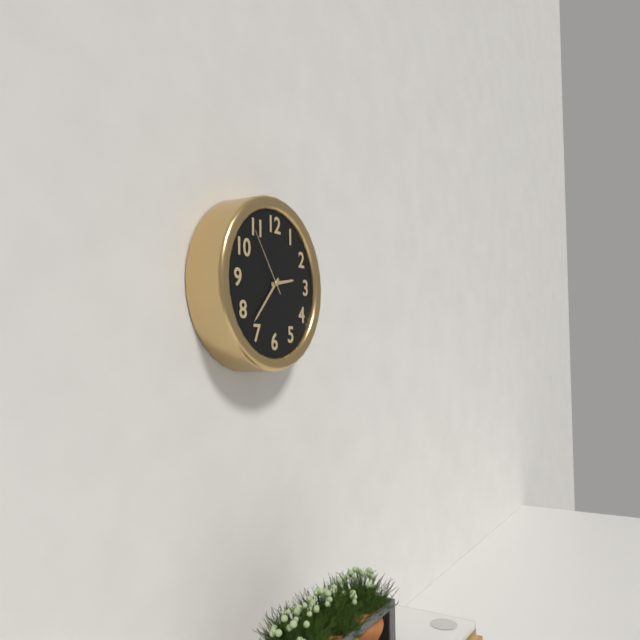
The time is h=2 m=37 s=54
